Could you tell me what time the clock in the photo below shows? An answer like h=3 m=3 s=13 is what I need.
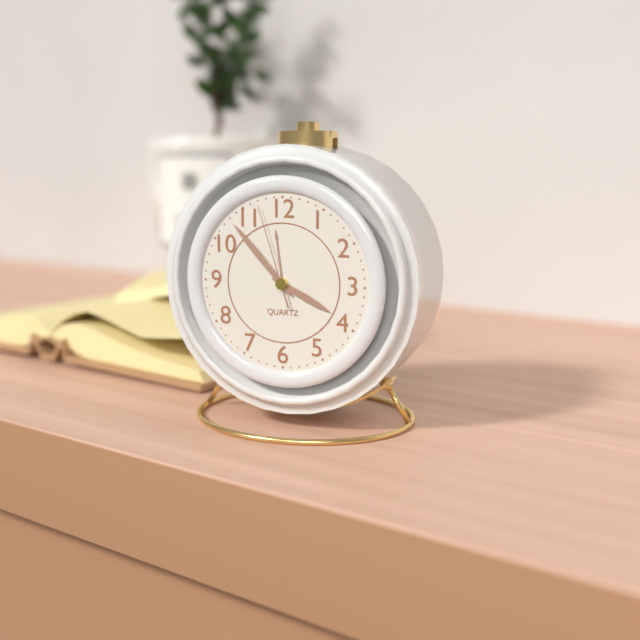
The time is h=3 m=53 s=57
